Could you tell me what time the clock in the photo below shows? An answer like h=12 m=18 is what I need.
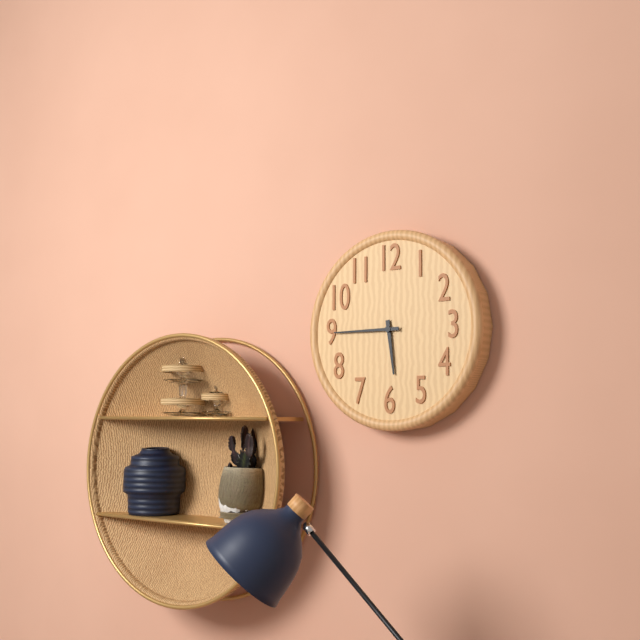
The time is h=5 m=45
